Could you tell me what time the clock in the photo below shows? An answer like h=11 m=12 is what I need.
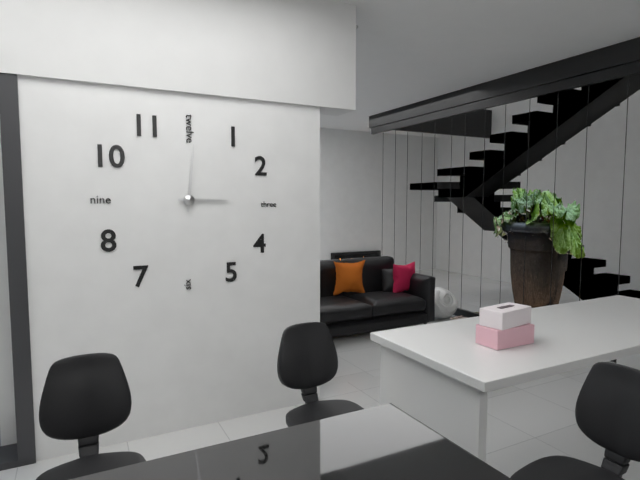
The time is h=3 m=1
